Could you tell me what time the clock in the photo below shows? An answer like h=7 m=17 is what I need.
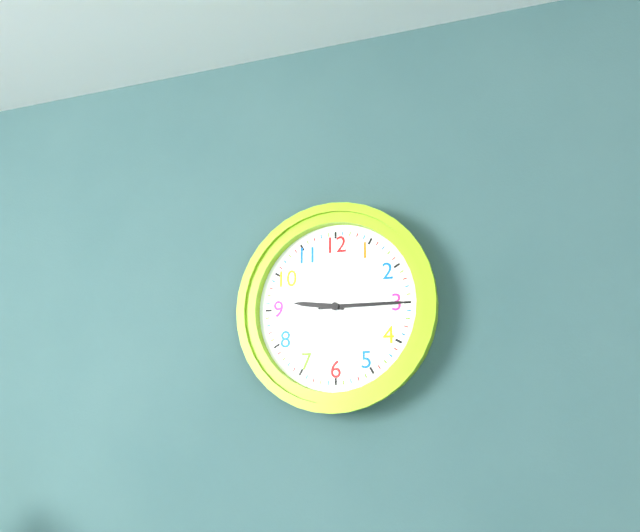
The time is h=9 m=15
